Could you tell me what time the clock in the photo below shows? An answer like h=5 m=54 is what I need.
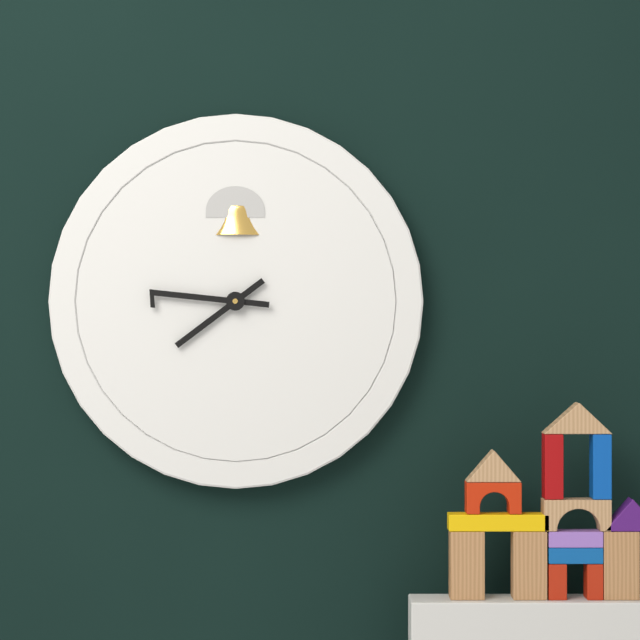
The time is h=7 m=46
